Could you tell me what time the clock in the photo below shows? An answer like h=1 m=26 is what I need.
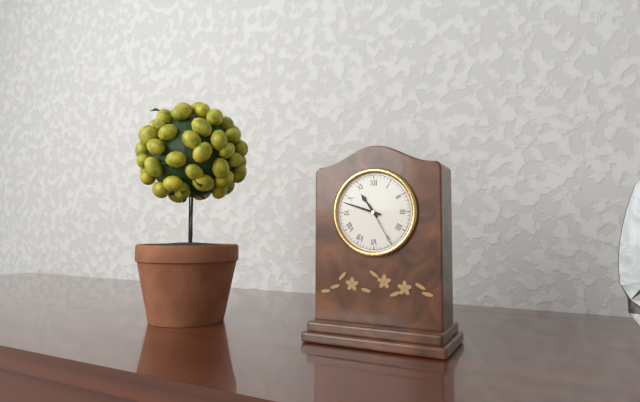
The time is h=10 m=48
